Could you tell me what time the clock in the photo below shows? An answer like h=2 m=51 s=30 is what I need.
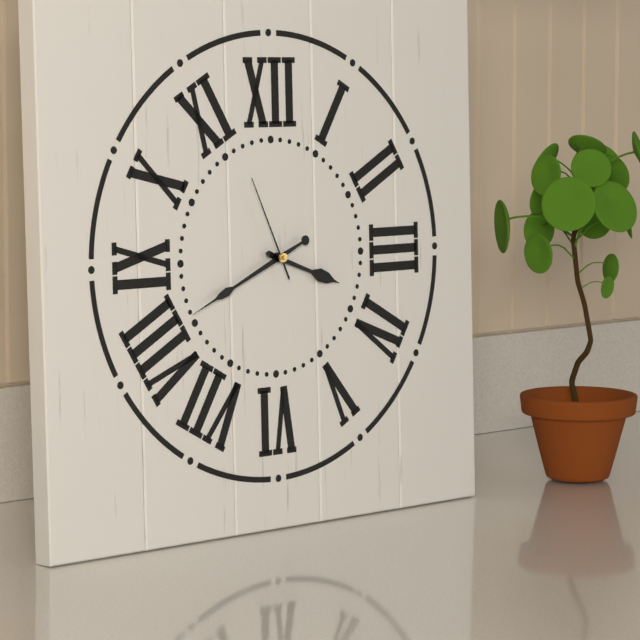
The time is h=3 m=41 s=56
